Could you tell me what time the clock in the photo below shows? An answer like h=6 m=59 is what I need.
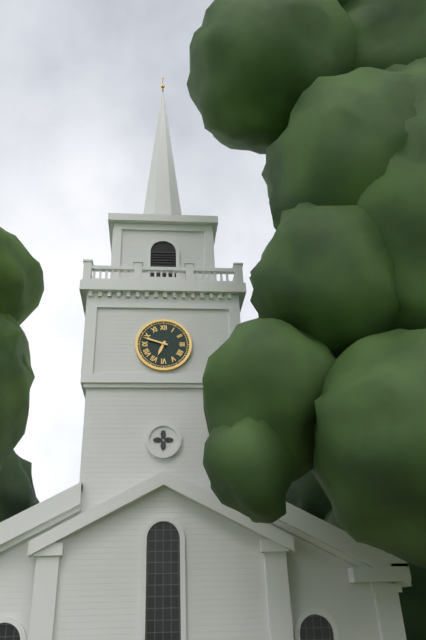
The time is h=6 m=48
